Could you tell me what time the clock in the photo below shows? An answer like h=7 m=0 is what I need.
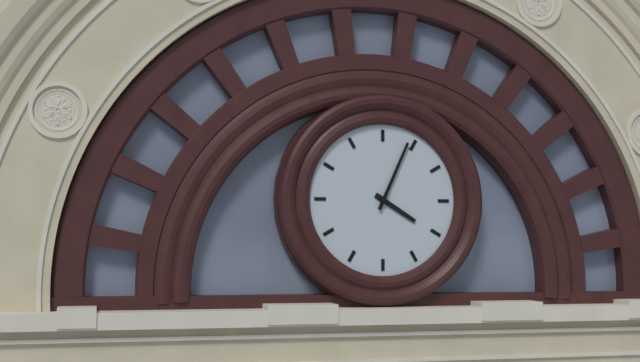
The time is h=4 m=4
